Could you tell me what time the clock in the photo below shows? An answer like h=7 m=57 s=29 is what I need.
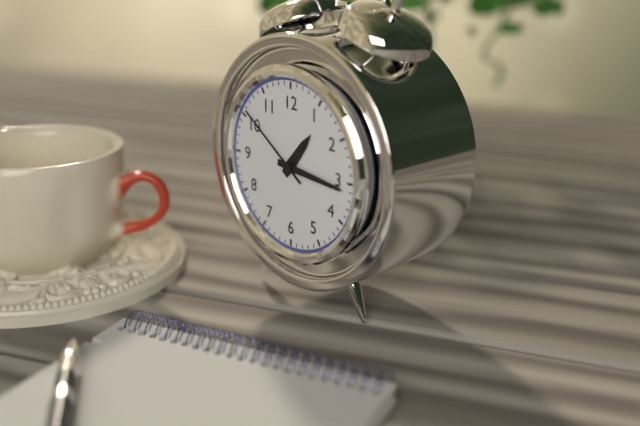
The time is h=1 m=16 s=51
